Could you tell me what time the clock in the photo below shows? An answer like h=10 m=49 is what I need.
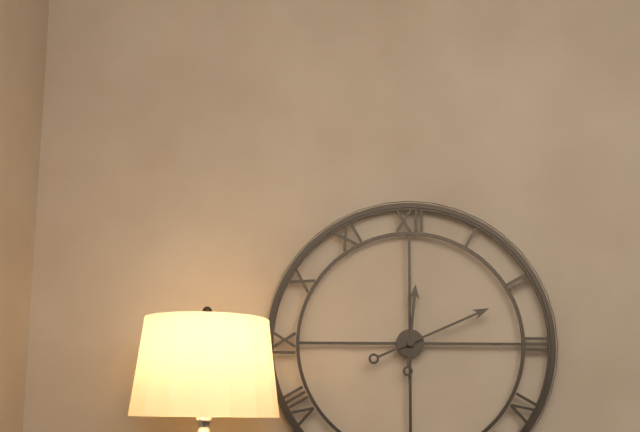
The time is h=12 m=11
